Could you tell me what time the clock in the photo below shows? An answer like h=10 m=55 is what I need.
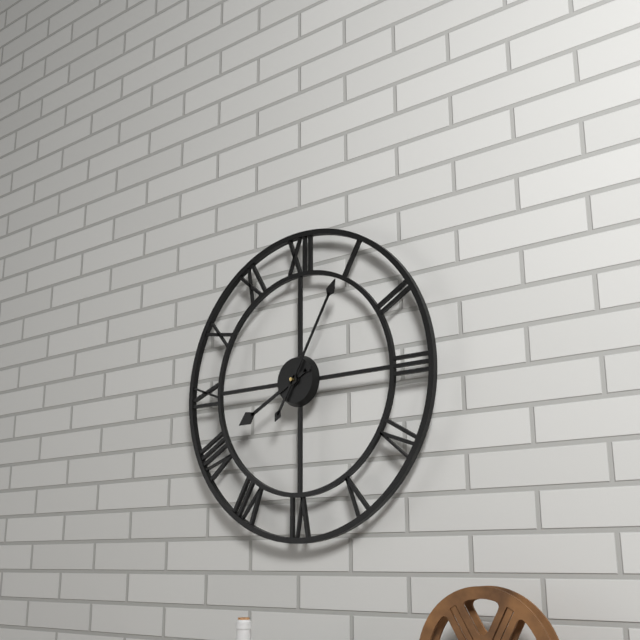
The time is h=8 m=5
